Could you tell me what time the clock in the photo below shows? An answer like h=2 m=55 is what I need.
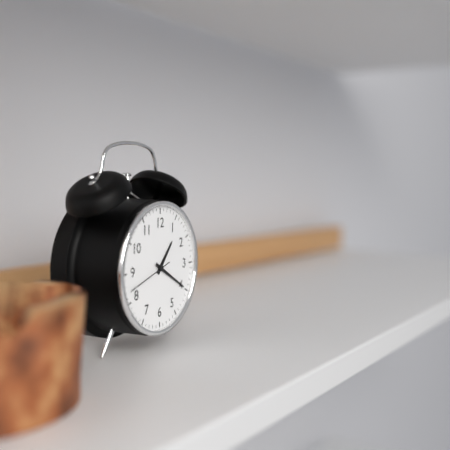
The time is h=1 m=20
